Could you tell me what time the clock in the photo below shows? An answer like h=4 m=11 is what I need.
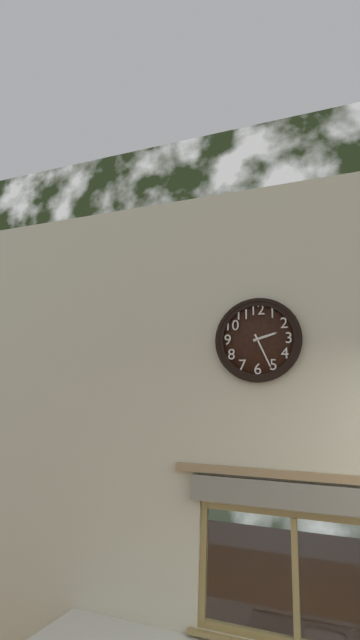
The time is h=2 m=26
